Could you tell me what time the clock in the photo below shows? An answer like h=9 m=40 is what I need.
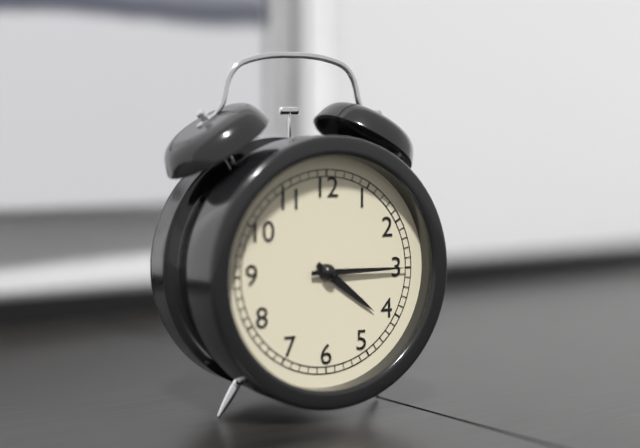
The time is h=4 m=15
